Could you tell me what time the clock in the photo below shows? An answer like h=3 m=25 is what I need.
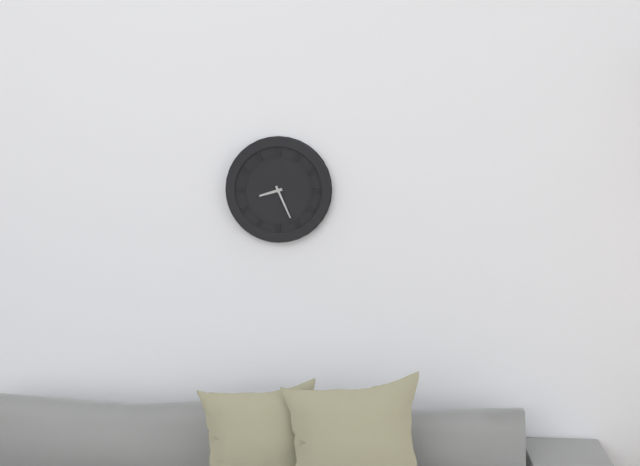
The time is h=8 m=26
